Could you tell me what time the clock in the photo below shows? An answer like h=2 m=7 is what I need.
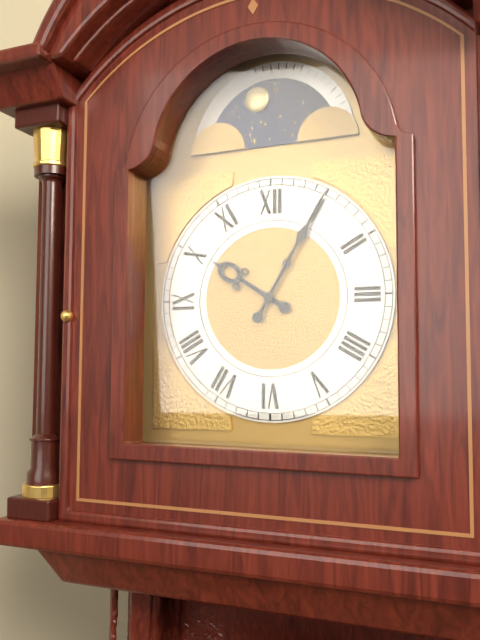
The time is h=10 m=5
